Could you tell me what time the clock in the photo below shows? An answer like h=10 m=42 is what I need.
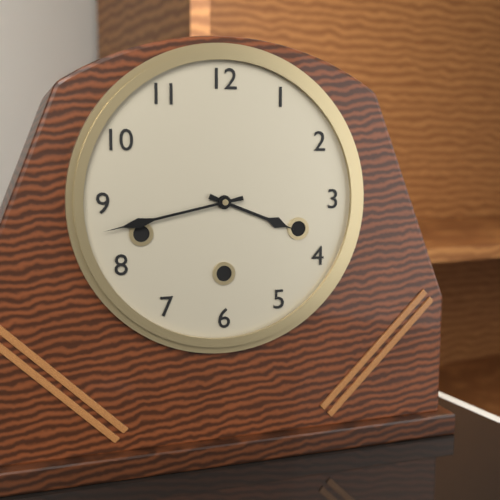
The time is h=3 m=43
